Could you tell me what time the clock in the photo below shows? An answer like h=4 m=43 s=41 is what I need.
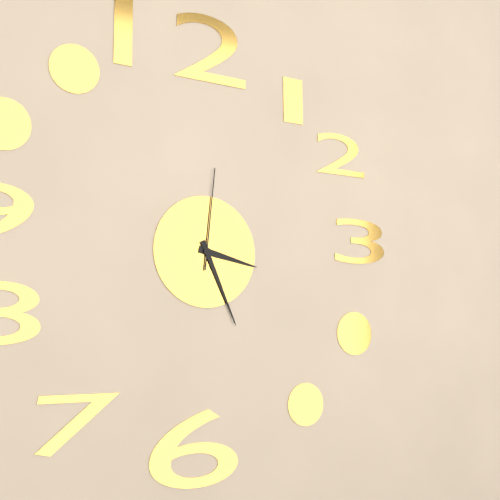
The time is h=3 m=26 s=1
